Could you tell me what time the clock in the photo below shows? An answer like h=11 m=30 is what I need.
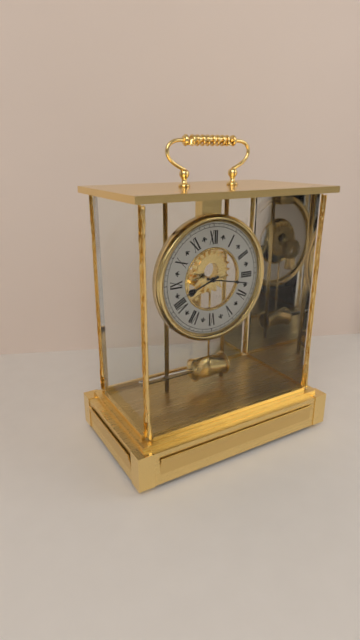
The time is h=8 m=17
